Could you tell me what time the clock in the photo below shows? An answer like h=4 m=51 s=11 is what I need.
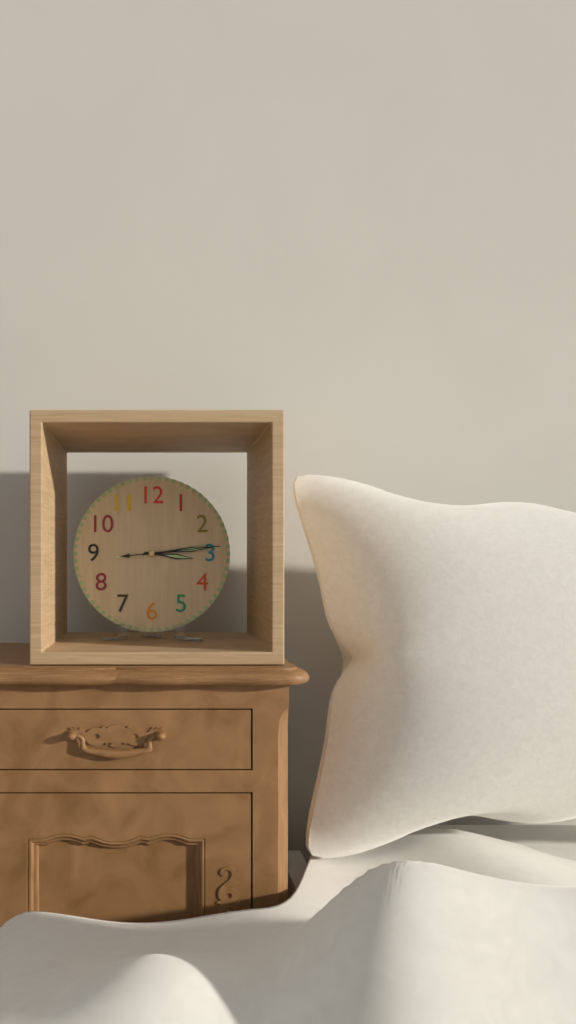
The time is h=3 m=14 s=14
